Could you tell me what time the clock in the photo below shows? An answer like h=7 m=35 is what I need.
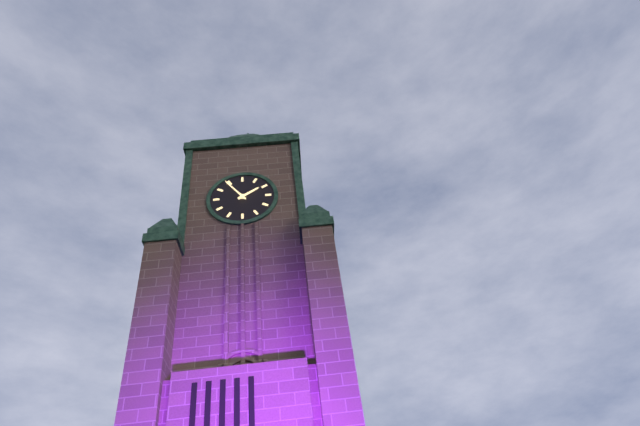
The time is h=1 m=54
